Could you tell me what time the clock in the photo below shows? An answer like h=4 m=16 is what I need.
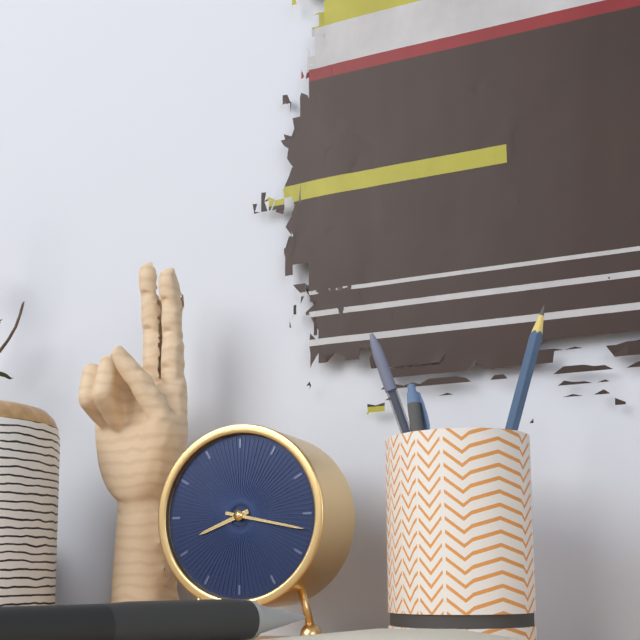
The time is h=8 m=17
